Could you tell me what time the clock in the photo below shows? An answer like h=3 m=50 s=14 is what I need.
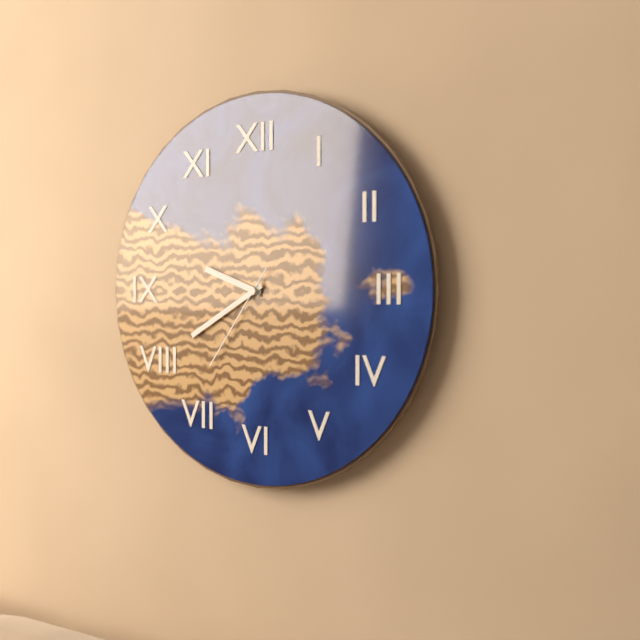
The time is h=9 m=40 s=36
